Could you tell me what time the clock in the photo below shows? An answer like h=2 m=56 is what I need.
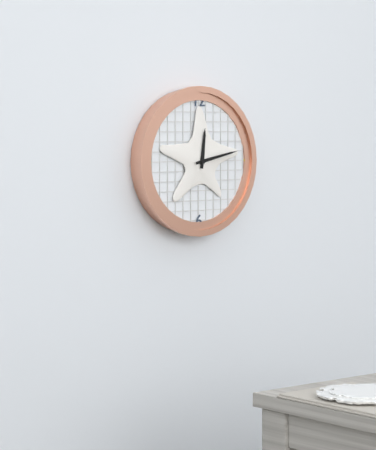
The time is h=12 m=13
